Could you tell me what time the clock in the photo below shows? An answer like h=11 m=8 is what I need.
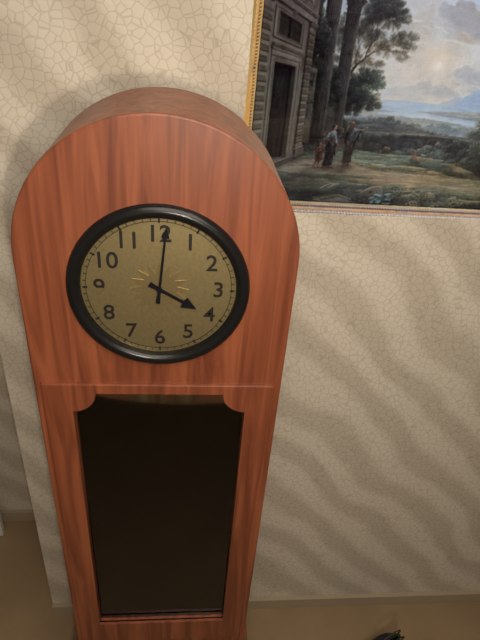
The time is h=4 m=1
